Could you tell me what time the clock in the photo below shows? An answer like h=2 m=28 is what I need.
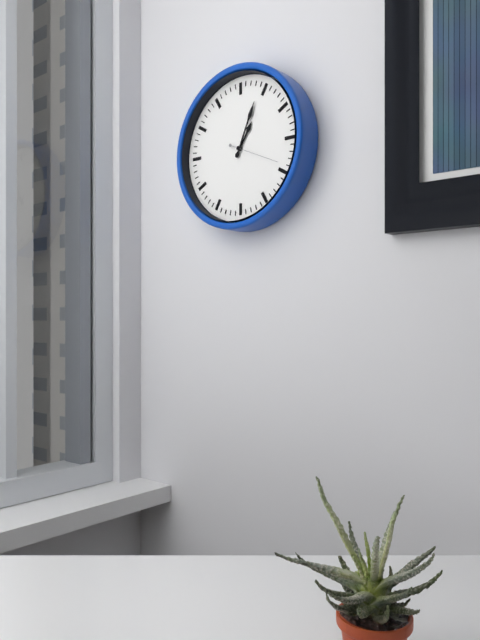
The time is h=1 m=4
